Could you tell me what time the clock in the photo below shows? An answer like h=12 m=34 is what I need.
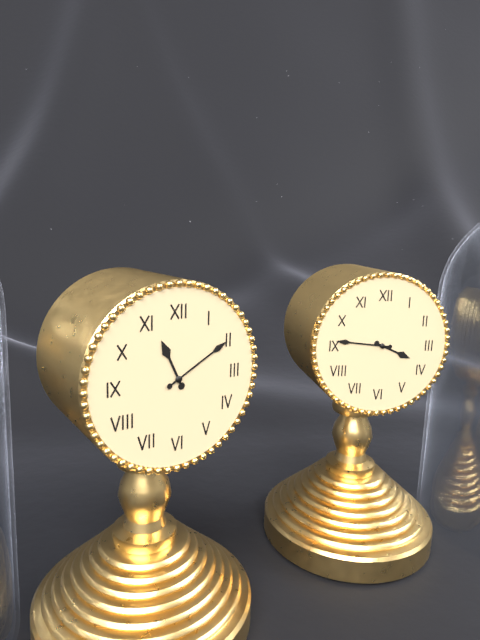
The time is h=11 m=10
